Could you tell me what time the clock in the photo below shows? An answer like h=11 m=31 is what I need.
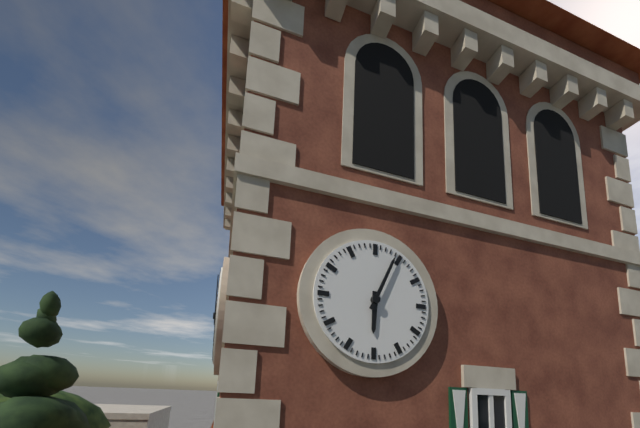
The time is h=6 m=4
